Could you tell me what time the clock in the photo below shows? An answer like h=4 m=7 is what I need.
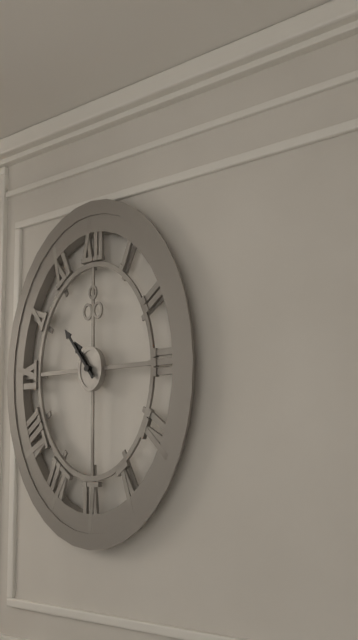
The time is h=10 m=54
